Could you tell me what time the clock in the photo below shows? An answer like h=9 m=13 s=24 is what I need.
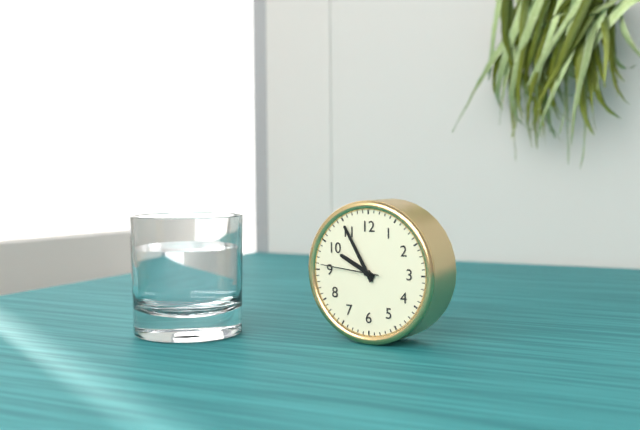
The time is h=9 m=55 s=46
